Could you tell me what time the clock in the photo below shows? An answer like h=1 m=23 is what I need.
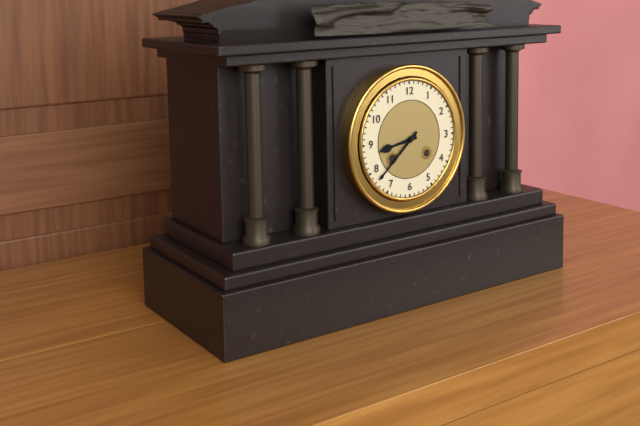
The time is h=8 m=38
